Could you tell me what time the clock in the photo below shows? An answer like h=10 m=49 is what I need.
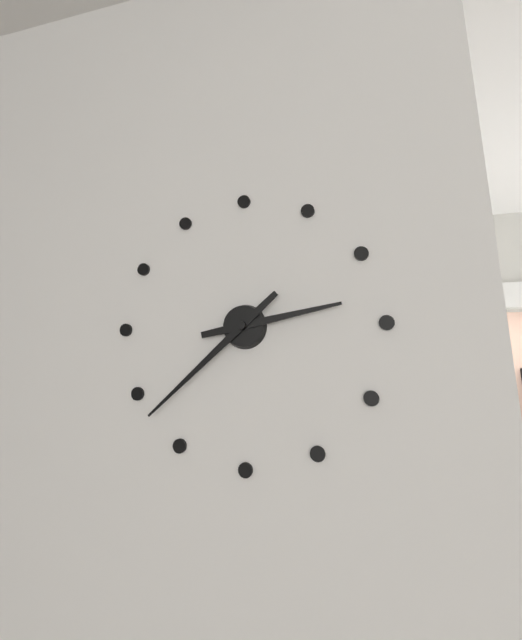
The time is h=2 m=38
